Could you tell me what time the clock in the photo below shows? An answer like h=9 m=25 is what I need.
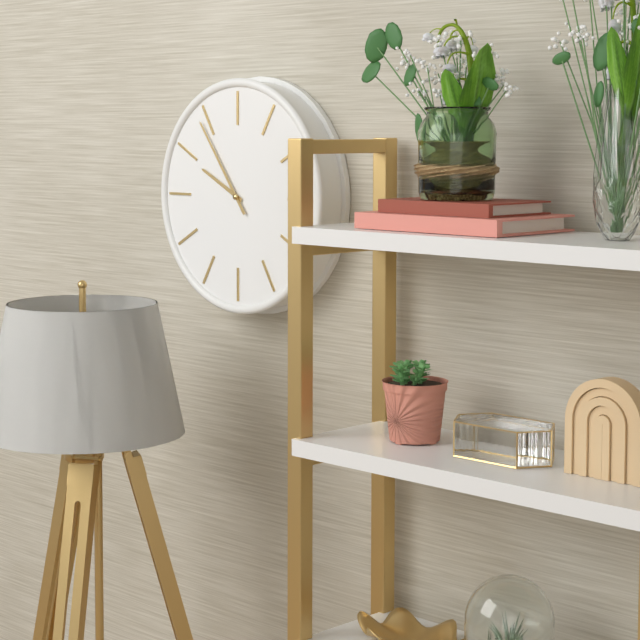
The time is h=9 m=54
